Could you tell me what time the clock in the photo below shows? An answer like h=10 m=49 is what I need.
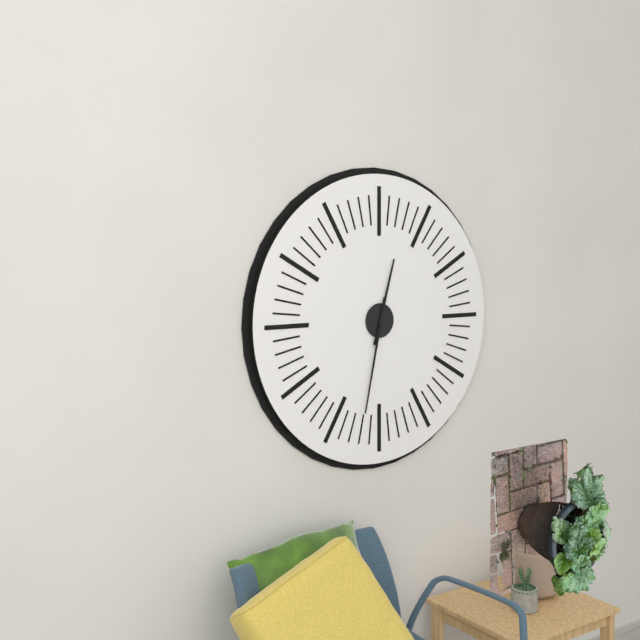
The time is h=12 m=32
